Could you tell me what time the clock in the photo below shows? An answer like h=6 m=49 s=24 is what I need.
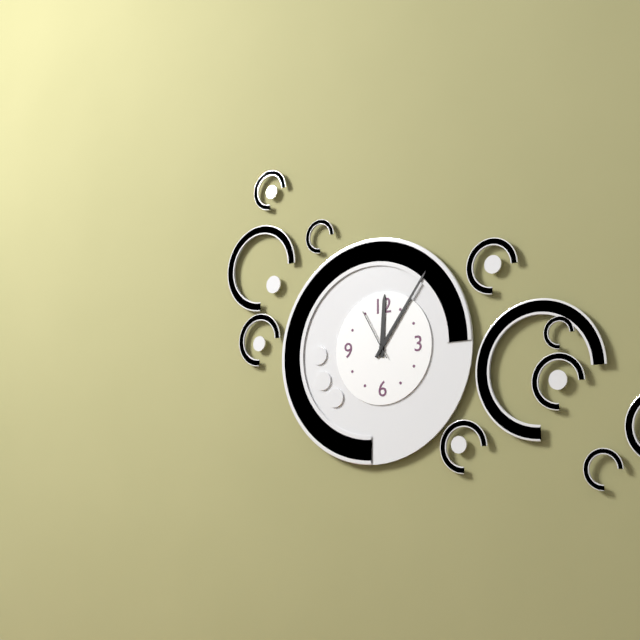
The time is h=12 m=6 s=55
